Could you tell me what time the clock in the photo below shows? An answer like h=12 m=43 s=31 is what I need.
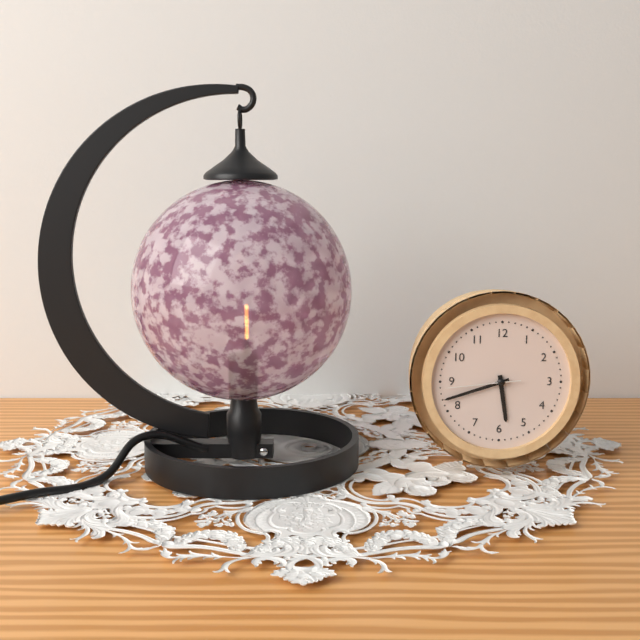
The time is h=5 m=42 s=44
